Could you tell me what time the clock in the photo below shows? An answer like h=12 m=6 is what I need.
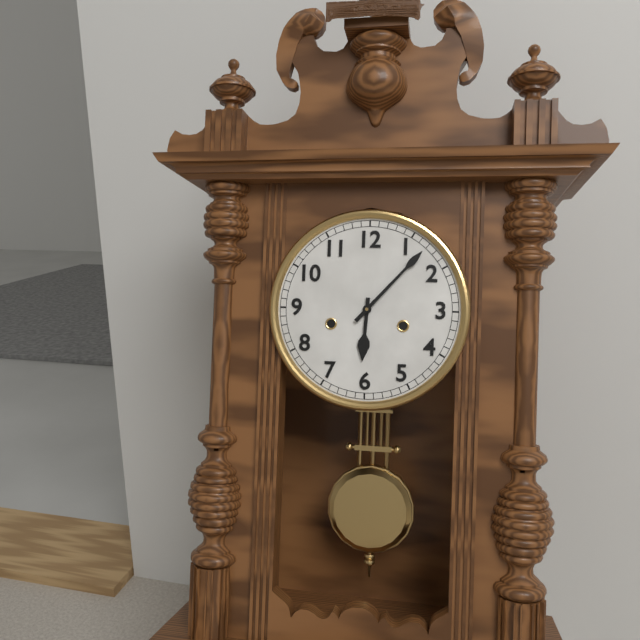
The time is h=6 m=7
